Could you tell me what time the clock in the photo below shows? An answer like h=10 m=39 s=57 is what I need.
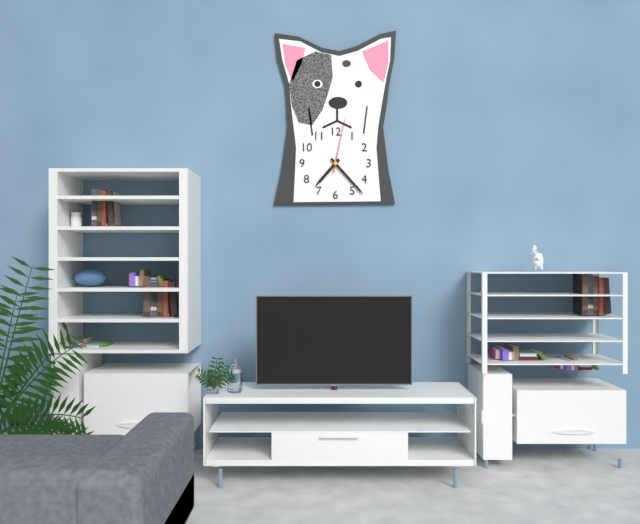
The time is h=7 m=23 s=2
